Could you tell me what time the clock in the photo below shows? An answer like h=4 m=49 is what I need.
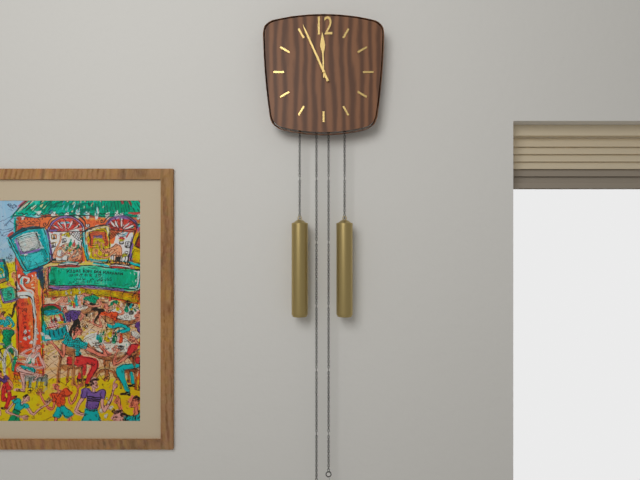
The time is h=11 m=56
